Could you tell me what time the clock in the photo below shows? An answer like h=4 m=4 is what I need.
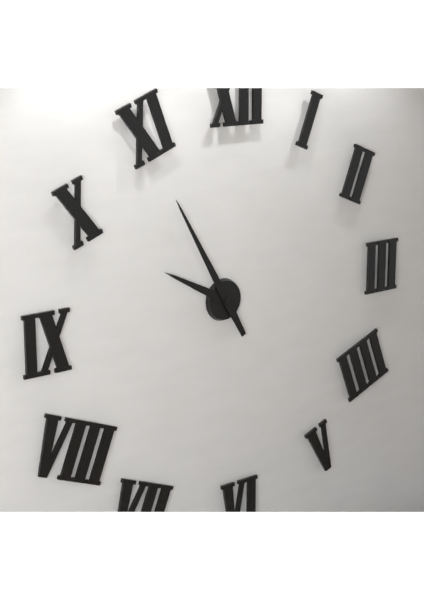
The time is h=9 m=55
